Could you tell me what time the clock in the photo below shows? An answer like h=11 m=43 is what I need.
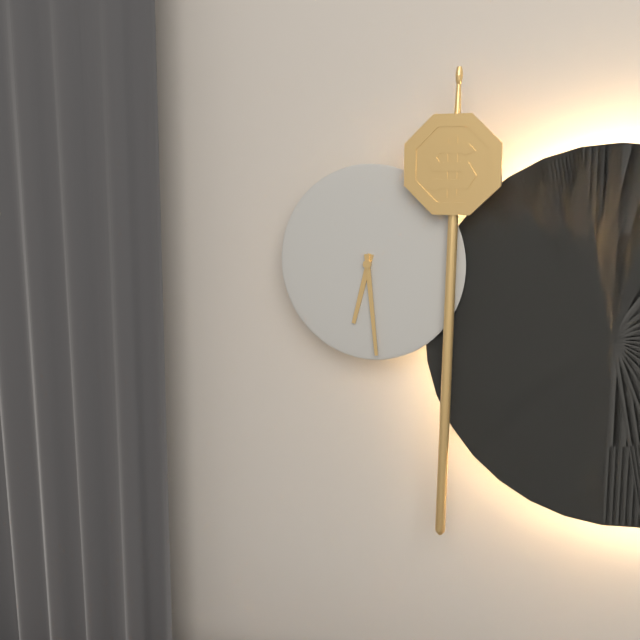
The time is h=6 m=29
